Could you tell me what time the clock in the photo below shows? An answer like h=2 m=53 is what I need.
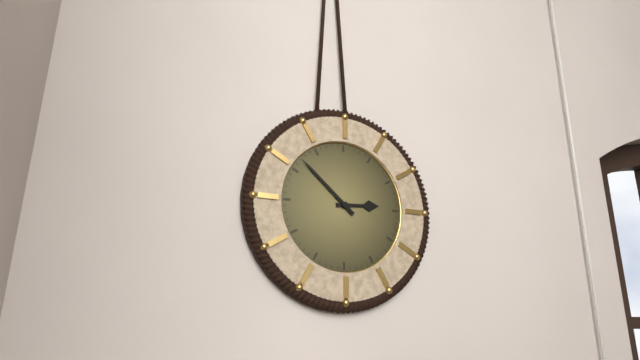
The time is h=2 m=52
